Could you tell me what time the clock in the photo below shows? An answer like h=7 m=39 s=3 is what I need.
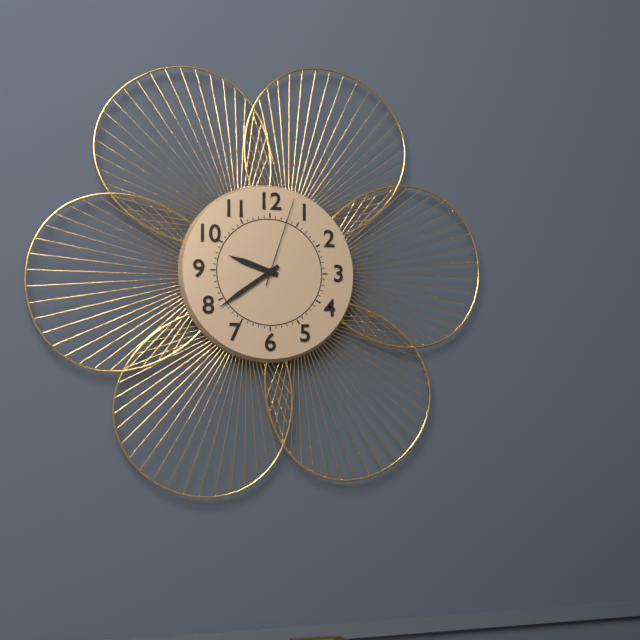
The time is h=9 m=39 s=3
